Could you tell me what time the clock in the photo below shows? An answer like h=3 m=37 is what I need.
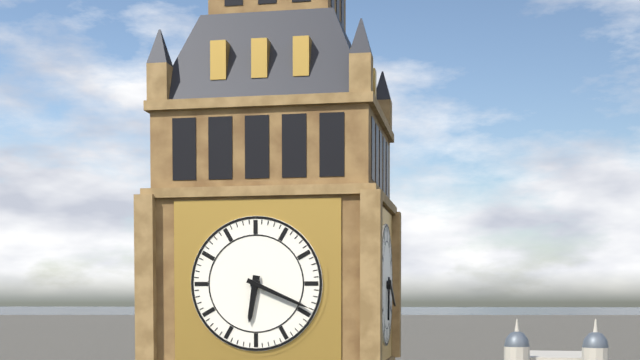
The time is h=6 m=19
